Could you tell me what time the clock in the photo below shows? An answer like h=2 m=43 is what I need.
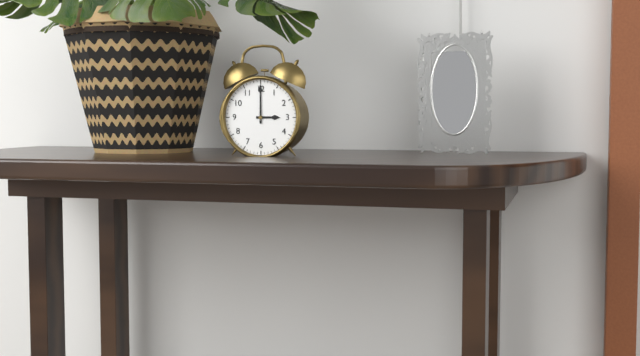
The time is h=3 m=0
